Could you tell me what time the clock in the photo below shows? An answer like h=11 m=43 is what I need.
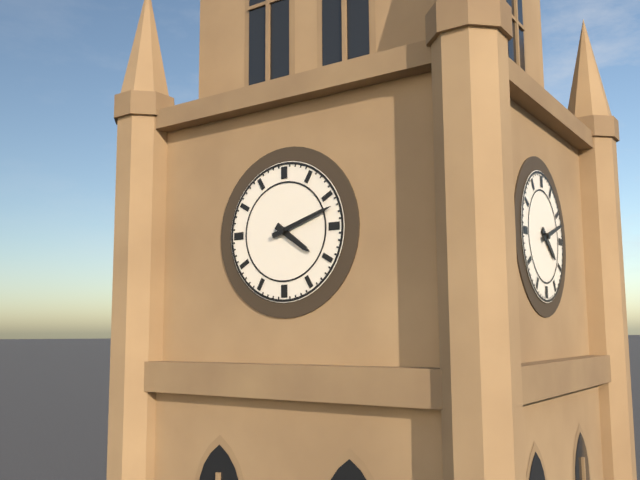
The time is h=4 m=12
